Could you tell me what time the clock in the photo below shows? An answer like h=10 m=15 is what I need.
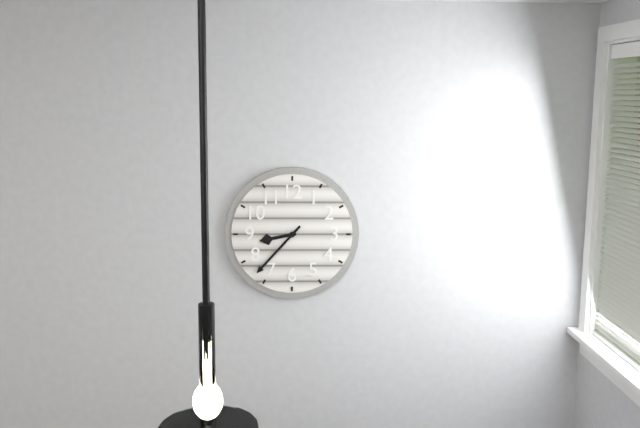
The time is h=8 m=37
